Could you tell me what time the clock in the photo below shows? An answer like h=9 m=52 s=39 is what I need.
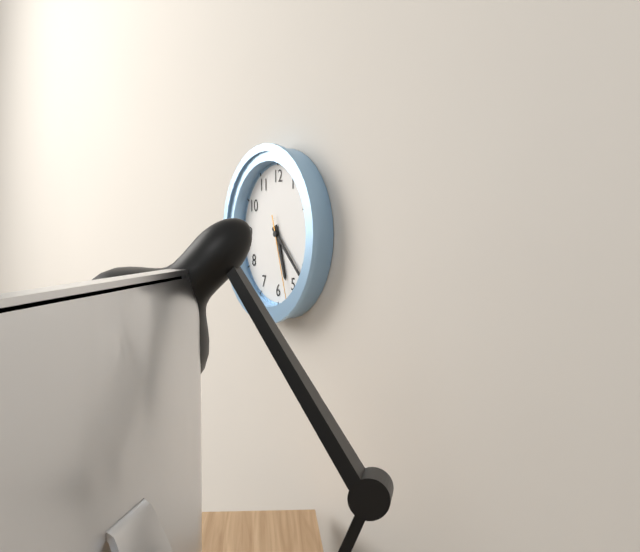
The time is h=5 m=22 s=27
